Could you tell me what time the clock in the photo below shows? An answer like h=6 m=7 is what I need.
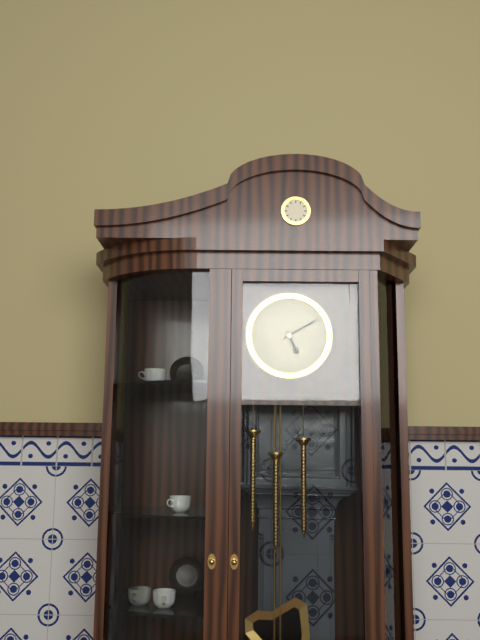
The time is h=5 m=10
